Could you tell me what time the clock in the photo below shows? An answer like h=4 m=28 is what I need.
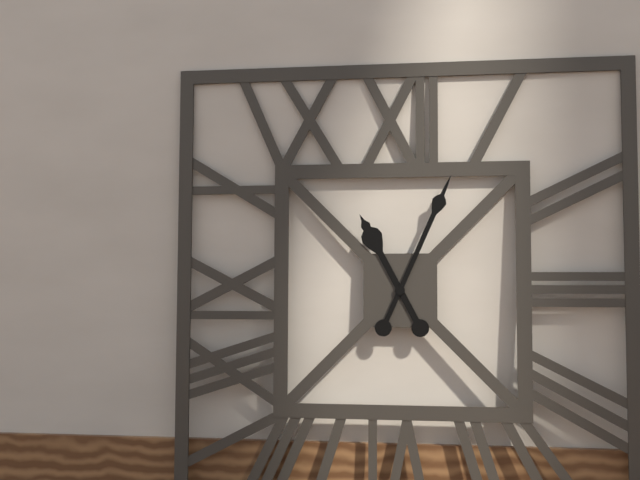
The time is h=11 m=4
